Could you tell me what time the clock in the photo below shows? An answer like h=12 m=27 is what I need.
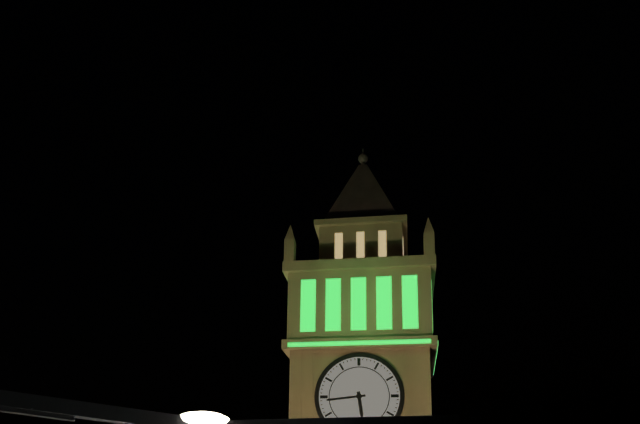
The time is h=5 m=44
